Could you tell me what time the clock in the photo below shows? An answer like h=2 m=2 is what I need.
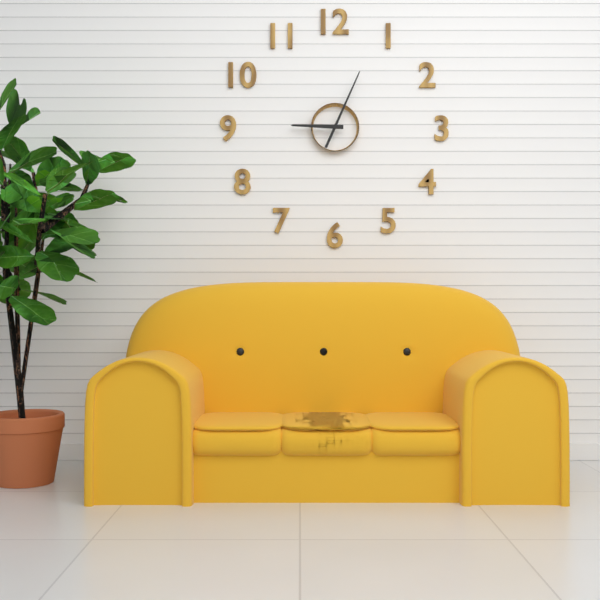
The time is h=9 m=4
